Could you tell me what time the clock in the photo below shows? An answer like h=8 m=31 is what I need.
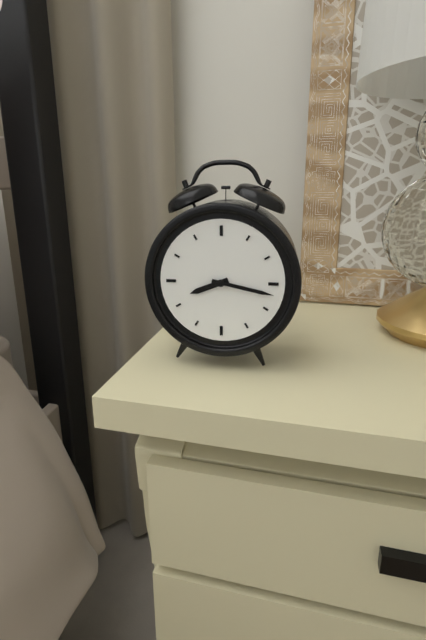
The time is h=8 m=17
